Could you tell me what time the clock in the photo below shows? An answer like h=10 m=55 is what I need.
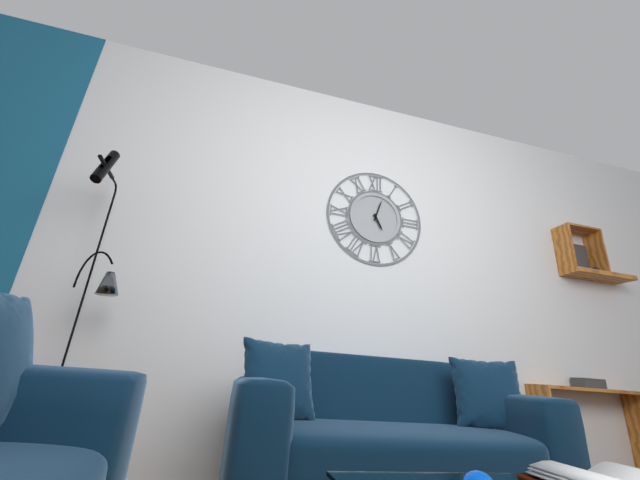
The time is h=5 m=3
